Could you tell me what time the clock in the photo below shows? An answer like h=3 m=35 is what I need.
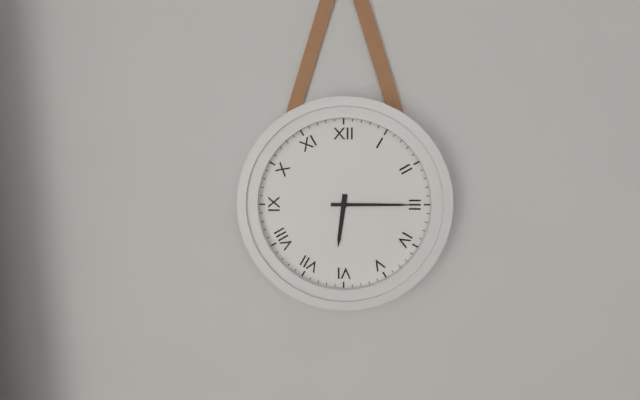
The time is h=6 m=15
